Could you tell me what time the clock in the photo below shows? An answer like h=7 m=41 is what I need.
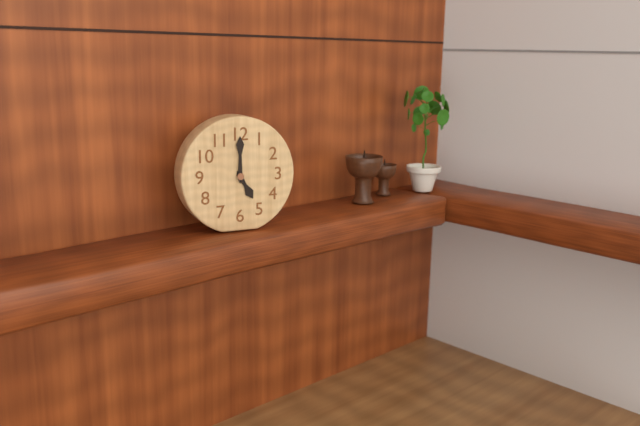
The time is h=5 m=0
